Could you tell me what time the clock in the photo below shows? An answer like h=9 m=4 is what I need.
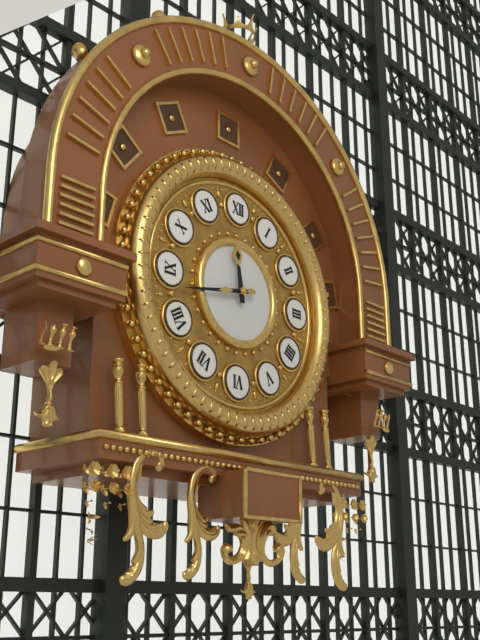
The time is h=11 m=43
